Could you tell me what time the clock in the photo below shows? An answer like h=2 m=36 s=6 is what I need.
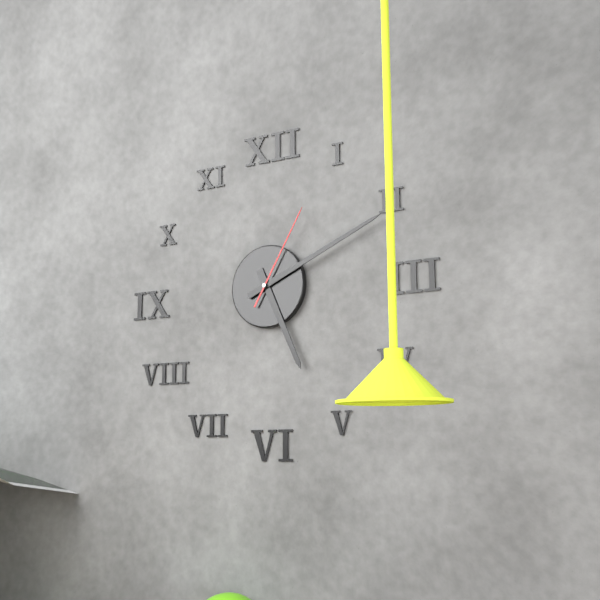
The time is h=5 m=11 s=5
